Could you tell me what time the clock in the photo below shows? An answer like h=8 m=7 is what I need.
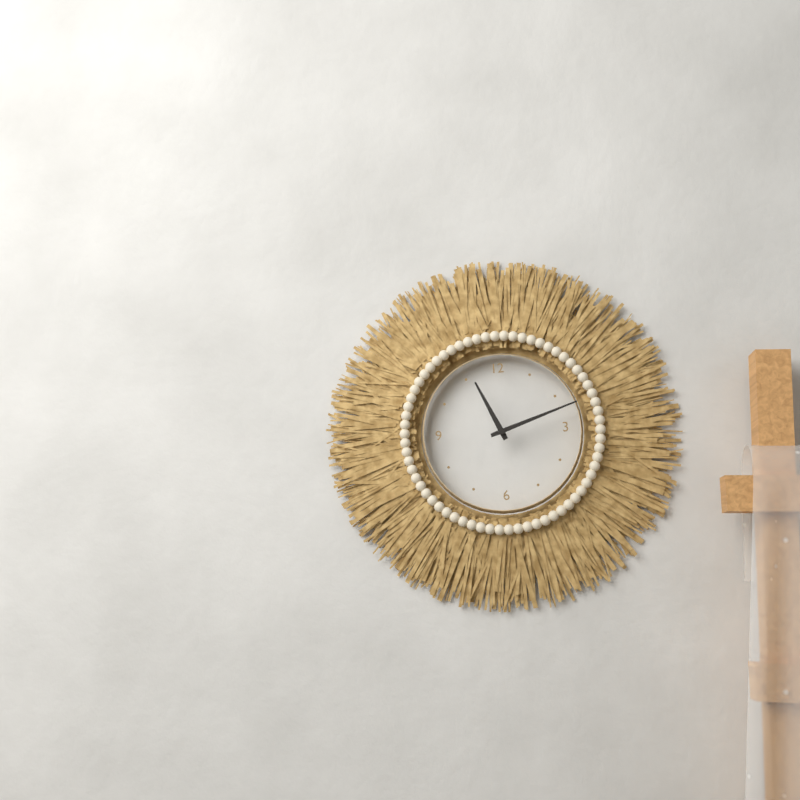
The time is h=11 m=12
